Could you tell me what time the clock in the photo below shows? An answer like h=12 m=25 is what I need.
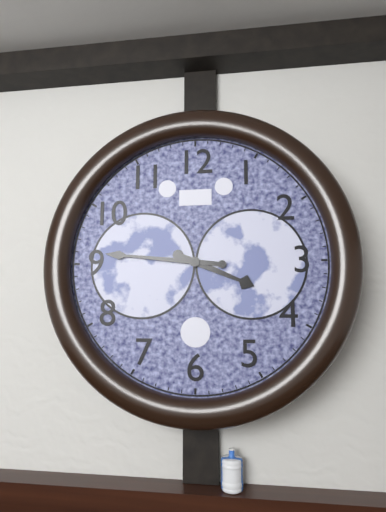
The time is h=3 m=46
